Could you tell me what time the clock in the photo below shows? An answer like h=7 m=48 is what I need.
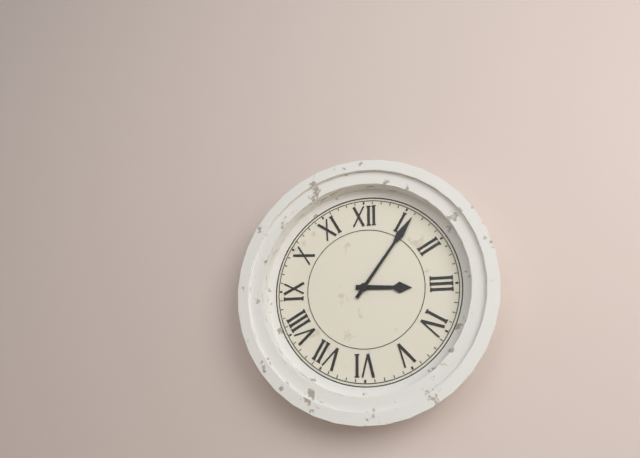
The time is h=3 m=6
